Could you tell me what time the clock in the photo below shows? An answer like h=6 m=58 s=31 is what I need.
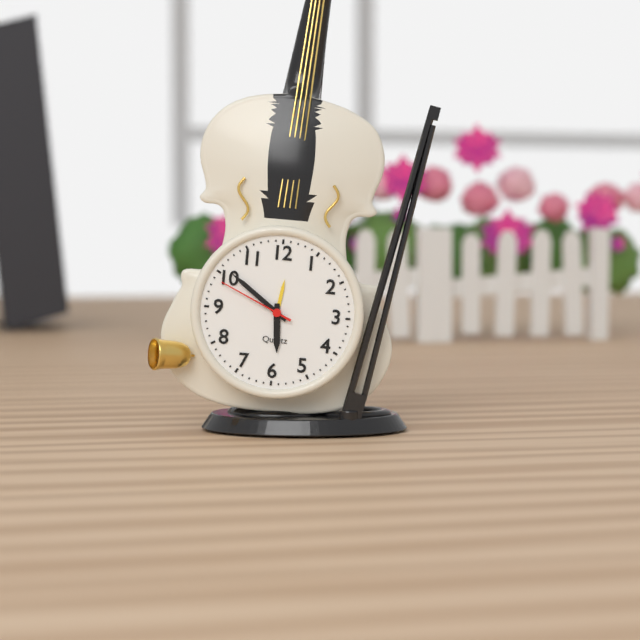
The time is h=5 m=51 s=49
